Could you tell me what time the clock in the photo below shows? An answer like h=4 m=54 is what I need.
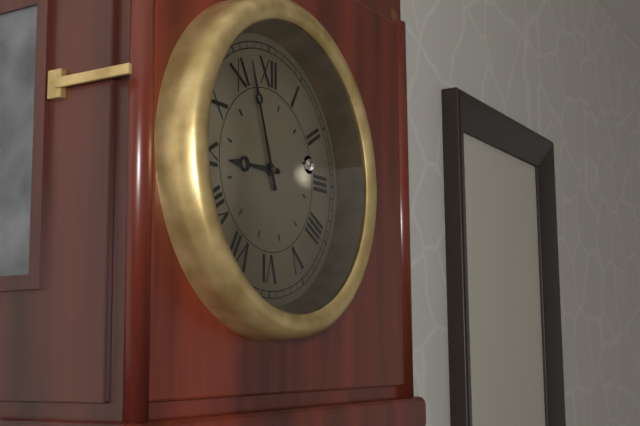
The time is h=8 m=57
